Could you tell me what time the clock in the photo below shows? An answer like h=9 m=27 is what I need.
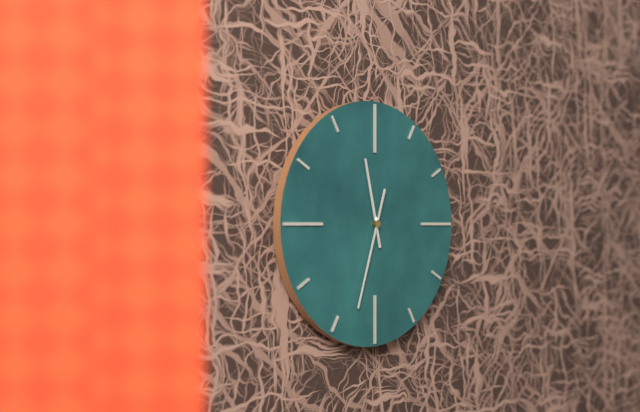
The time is h=11 m=33
